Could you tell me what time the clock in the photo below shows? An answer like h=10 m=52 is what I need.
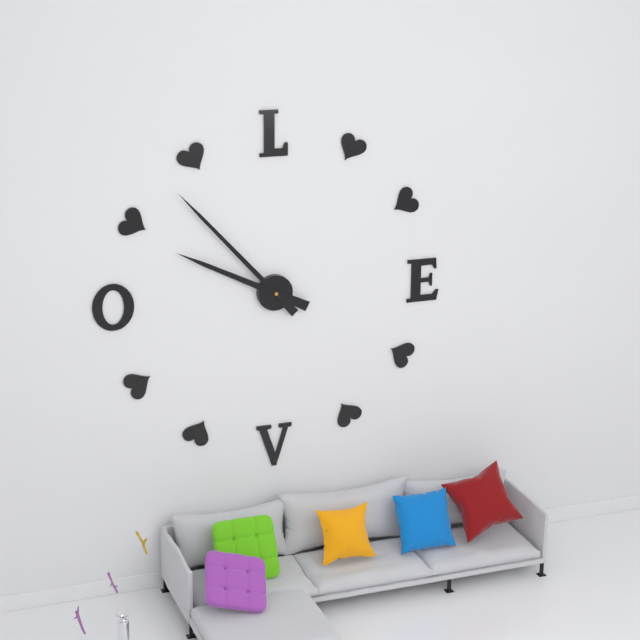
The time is h=9 m=53
